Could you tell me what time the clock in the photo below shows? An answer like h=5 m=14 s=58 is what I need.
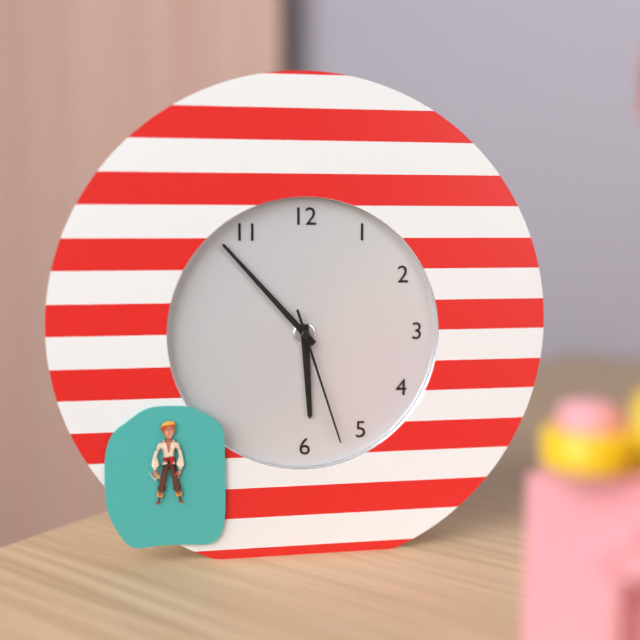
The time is h=5 m=53 s=27
